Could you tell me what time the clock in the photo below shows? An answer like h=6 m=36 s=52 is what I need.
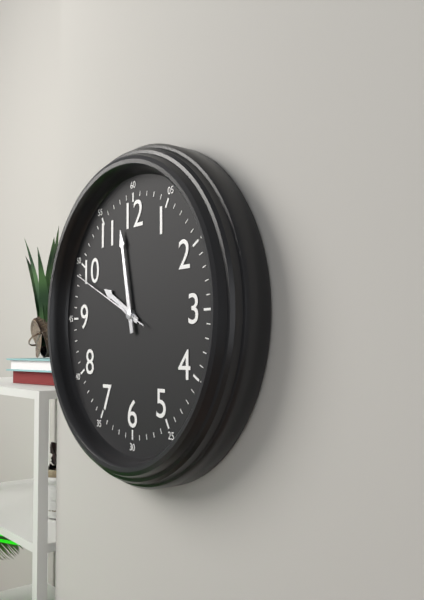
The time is h=9 m=58 s=49
